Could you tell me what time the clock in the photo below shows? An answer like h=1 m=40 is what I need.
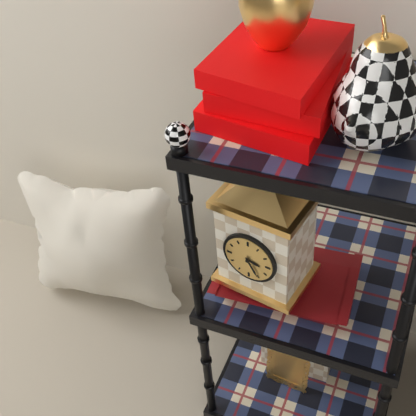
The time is h=3 m=25
